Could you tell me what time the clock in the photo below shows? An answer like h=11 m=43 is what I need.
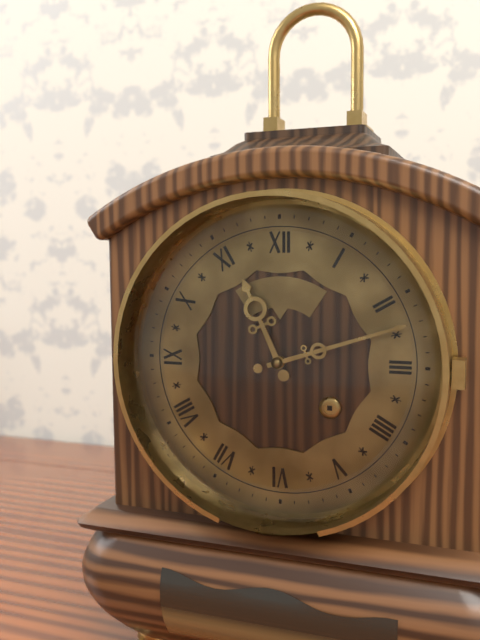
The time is h=11 m=12
